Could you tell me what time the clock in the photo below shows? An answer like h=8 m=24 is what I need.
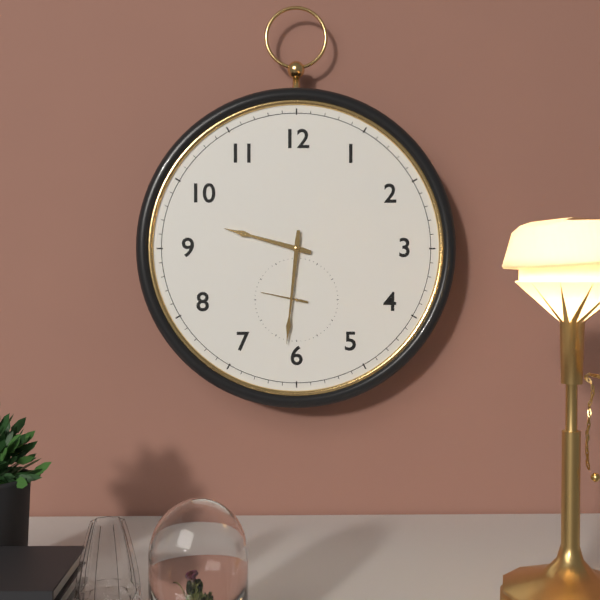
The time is h=9 m=31
